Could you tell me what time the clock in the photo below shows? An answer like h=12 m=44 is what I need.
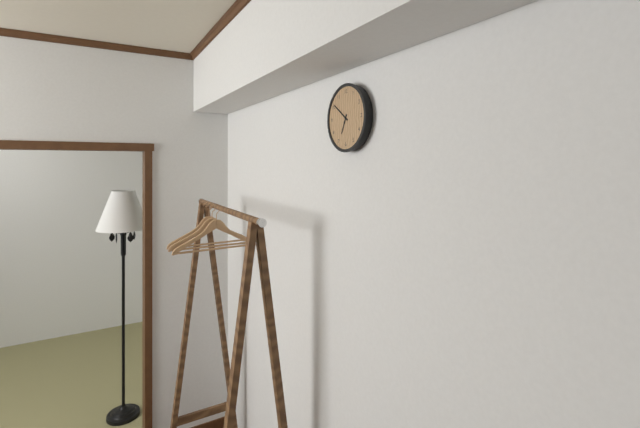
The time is h=6 m=51
